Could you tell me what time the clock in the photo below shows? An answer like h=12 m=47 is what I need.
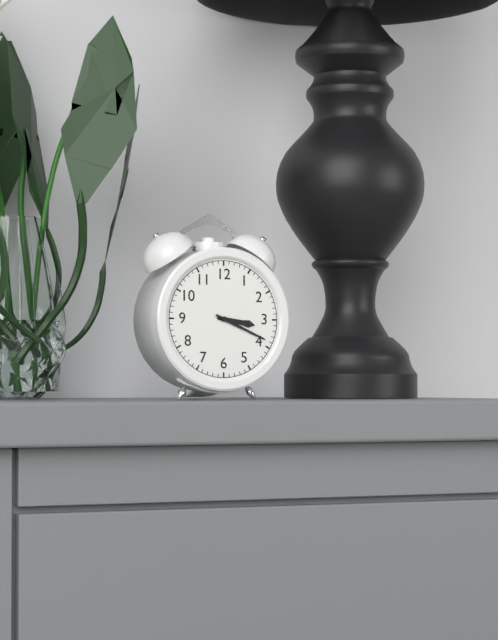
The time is h=3 m=19
